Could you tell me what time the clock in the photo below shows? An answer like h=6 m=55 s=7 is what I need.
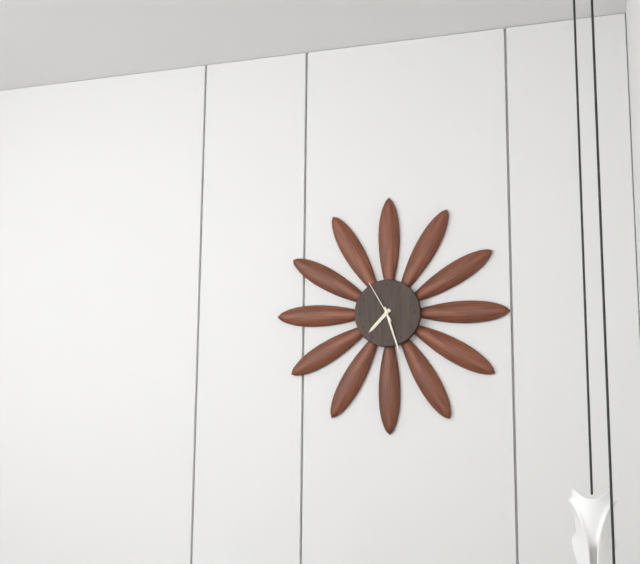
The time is h=7 m=27 s=55
